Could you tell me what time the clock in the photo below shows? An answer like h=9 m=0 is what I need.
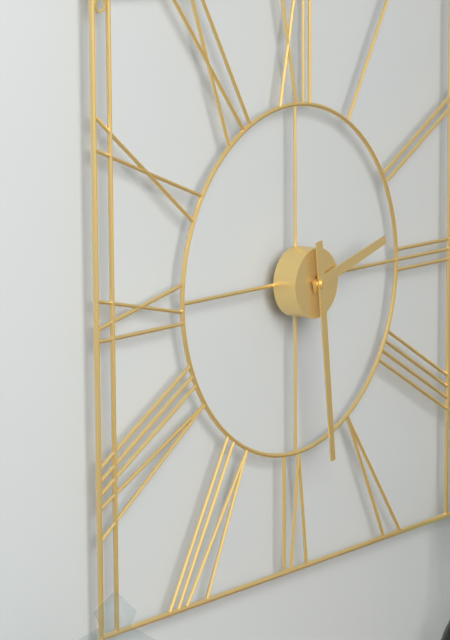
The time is h=2 m=29
